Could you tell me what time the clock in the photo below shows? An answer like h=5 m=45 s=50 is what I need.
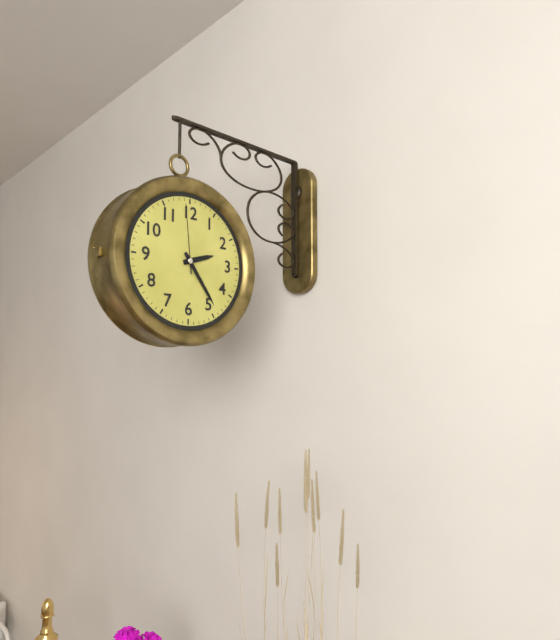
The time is h=2 m=24 s=59
